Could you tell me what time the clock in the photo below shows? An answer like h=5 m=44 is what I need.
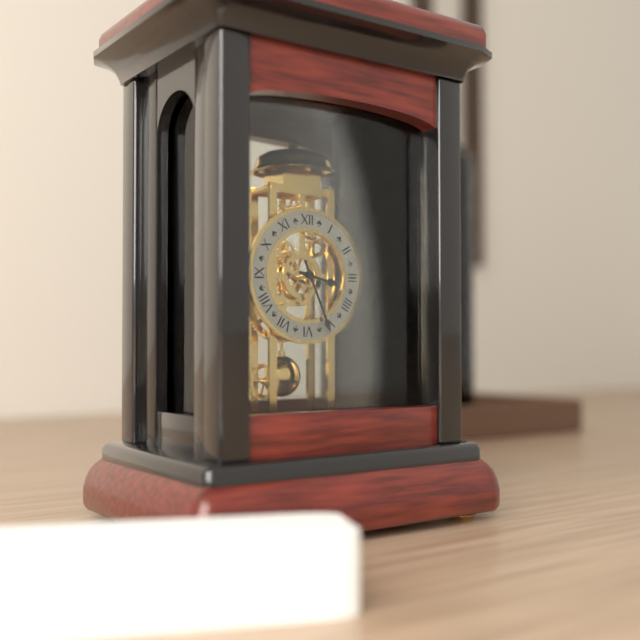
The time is h=3 m=26
